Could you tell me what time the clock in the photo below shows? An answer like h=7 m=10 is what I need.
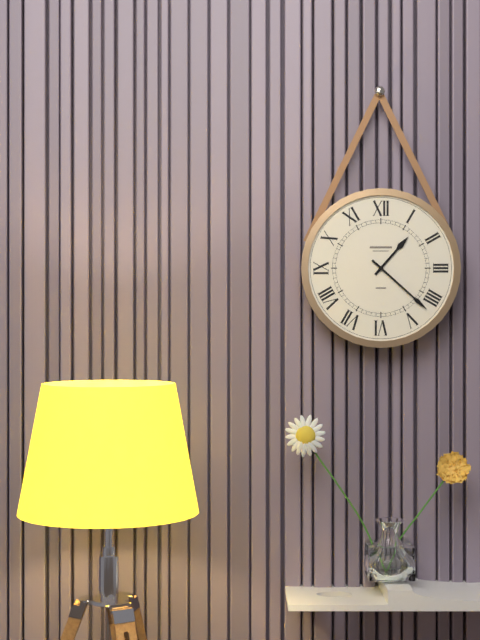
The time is h=1 m=22
